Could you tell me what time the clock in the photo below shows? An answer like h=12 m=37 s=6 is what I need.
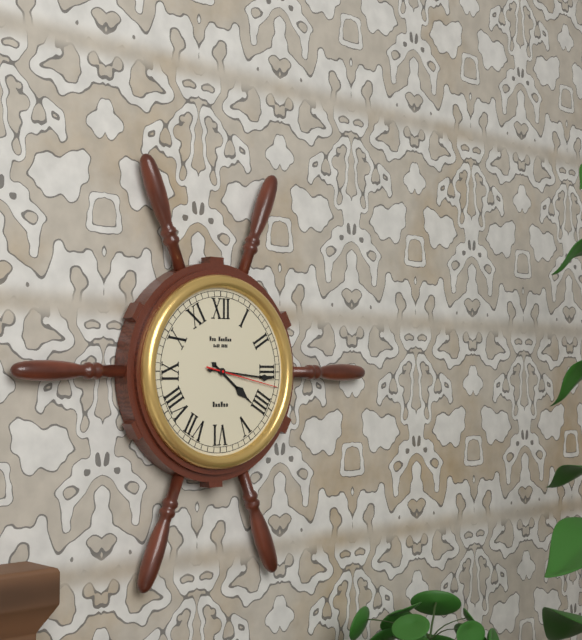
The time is h=4 m=16 s=17
